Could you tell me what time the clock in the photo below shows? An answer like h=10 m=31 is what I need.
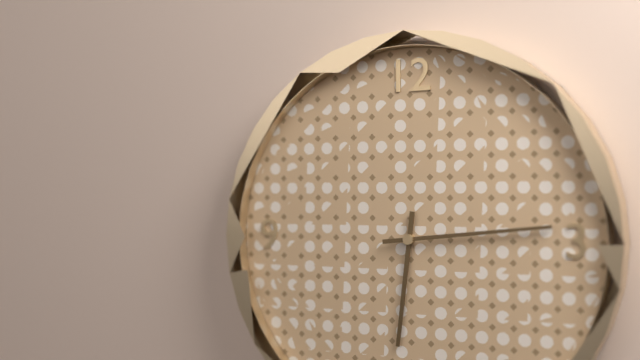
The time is h=6 m=14
